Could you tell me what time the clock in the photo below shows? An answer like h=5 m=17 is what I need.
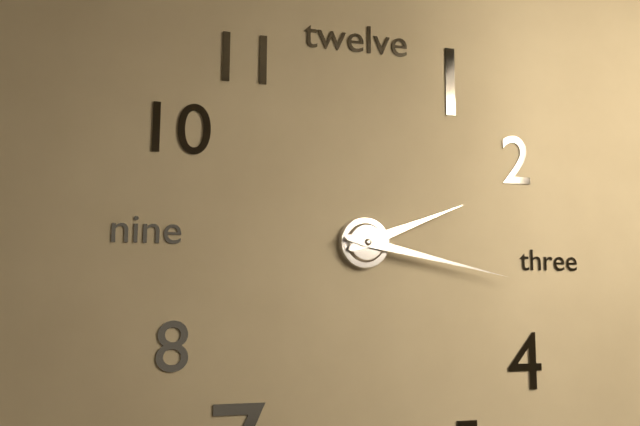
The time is h=2 m=17
